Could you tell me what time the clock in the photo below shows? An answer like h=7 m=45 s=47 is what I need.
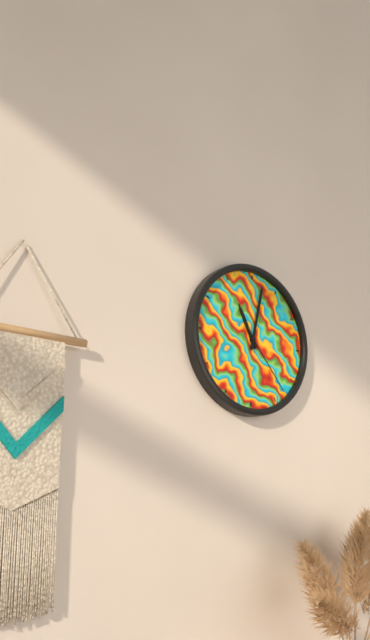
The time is h=11 m=2 s=23
